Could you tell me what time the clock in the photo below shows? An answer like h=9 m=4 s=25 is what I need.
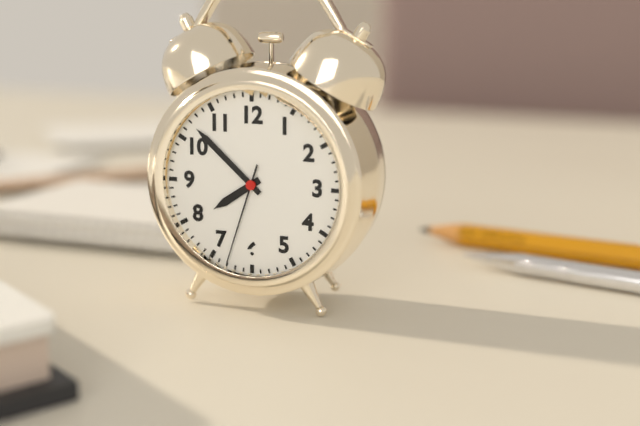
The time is h=7 m=52 s=33
